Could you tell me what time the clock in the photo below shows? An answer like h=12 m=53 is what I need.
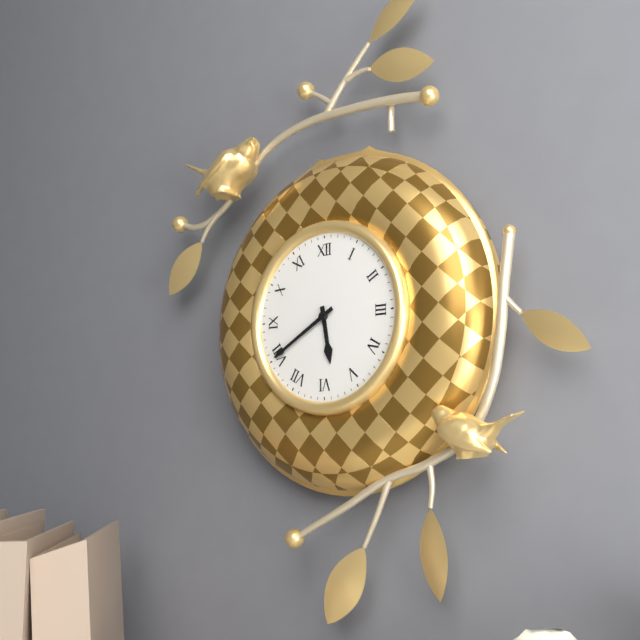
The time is h=5 m=40
